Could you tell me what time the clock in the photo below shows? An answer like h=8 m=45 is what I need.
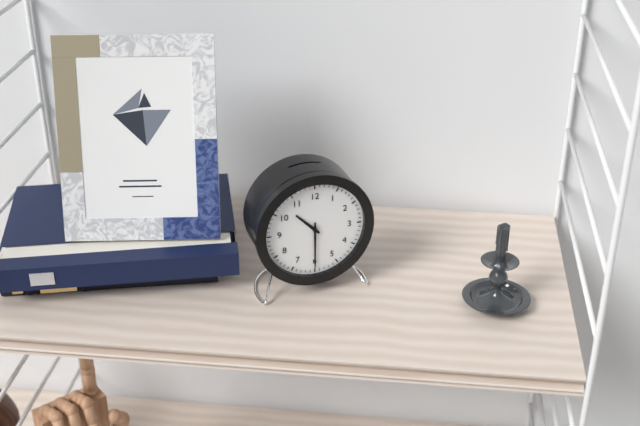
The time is h=10 m=30
